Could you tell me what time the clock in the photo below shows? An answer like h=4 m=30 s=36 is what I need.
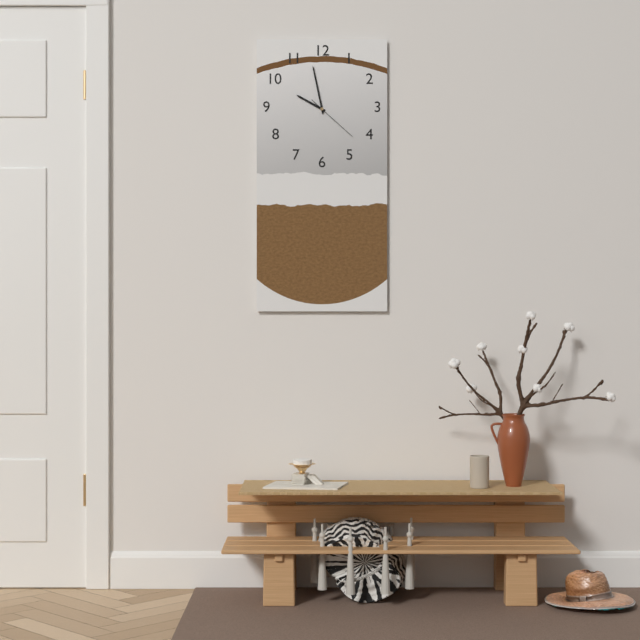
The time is h=9 m=58 s=22
